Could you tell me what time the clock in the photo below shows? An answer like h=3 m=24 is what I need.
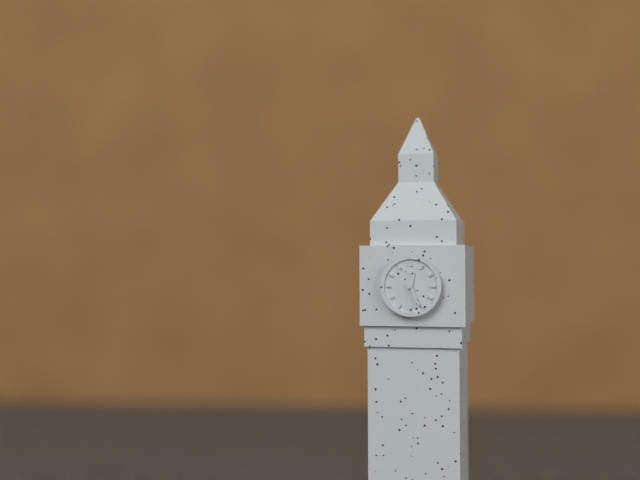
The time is h=12 m=26
